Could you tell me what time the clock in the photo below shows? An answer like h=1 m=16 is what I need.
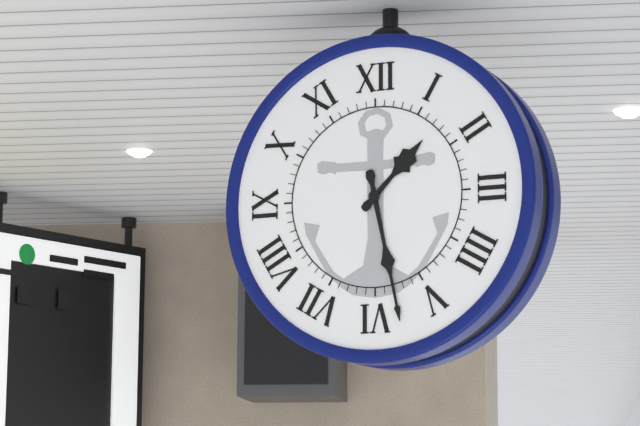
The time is h=1 m=28
